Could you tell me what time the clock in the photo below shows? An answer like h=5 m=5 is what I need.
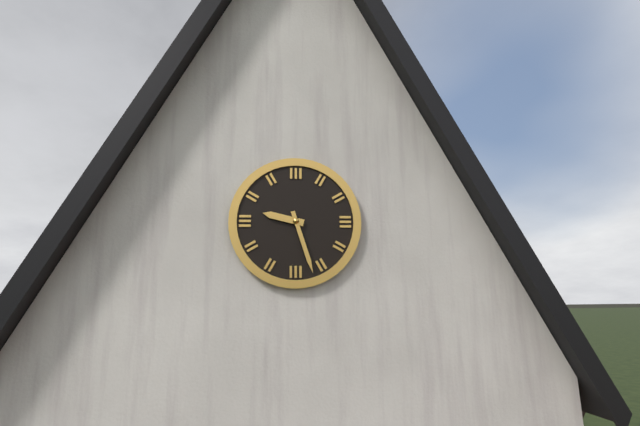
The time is h=9 m=27
